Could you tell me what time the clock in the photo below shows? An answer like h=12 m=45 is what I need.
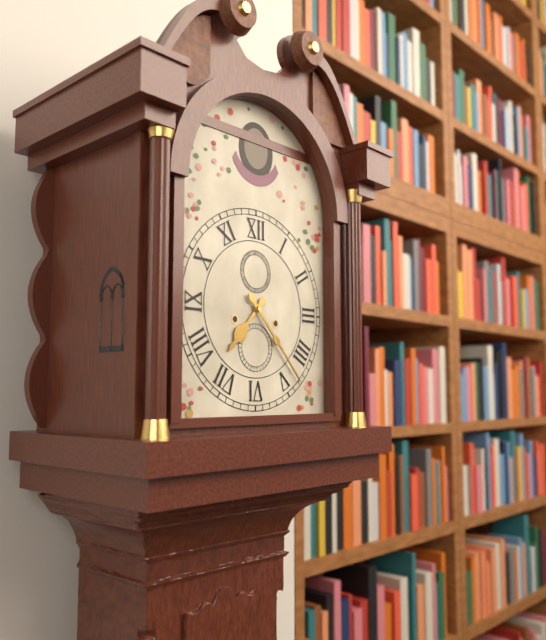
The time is h=7 m=23
